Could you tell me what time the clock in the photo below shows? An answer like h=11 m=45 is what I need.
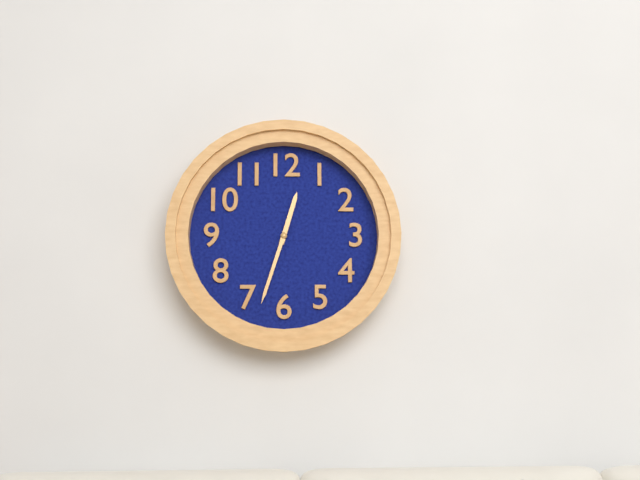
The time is h=12 m=33
